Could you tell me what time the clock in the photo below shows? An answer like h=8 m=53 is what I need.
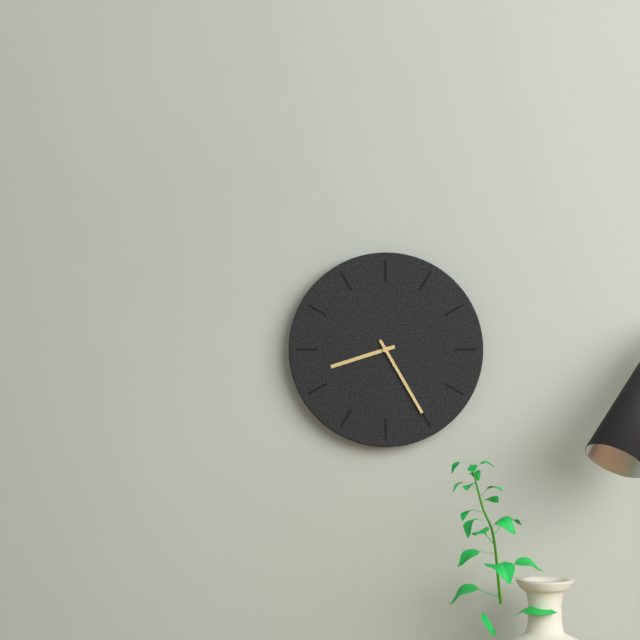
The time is h=8 m=25
